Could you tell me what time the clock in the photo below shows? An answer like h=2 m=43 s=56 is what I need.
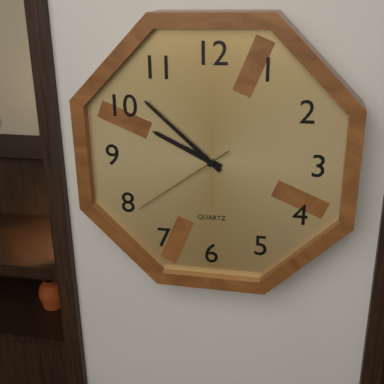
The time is h=9 m=52 s=39
